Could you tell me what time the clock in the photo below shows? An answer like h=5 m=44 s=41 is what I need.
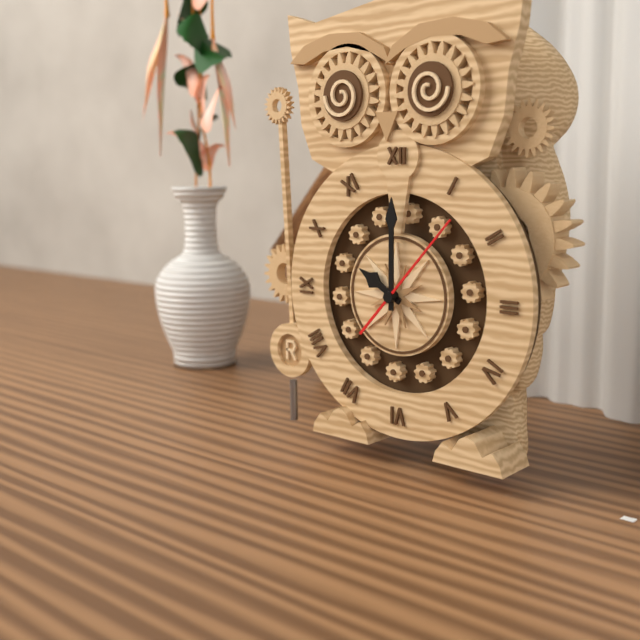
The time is h=10 m=0 s=7
